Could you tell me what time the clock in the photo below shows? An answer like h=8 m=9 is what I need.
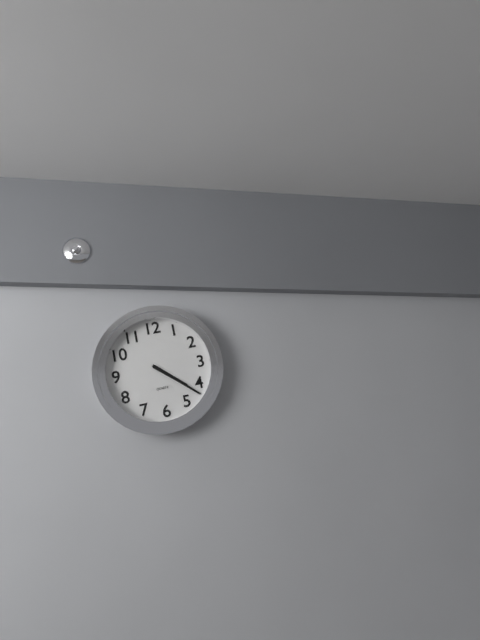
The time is h=4 m=22
